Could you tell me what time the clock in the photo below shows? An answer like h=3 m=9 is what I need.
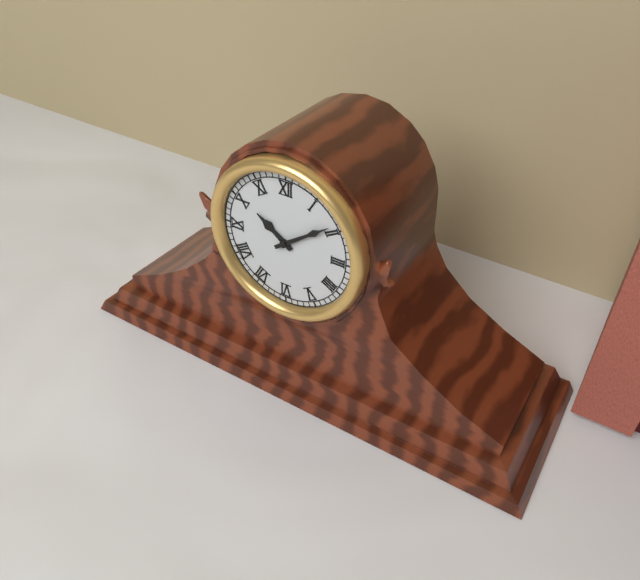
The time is h=10 m=9
